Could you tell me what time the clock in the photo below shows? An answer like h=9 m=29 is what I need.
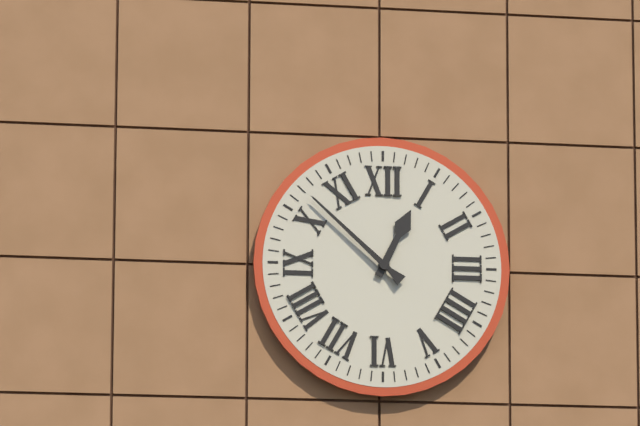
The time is h=12 m=52
